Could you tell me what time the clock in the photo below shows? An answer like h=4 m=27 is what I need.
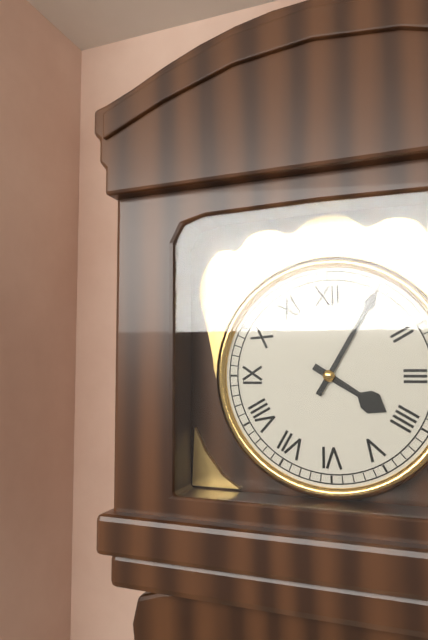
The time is h=4 m=5
